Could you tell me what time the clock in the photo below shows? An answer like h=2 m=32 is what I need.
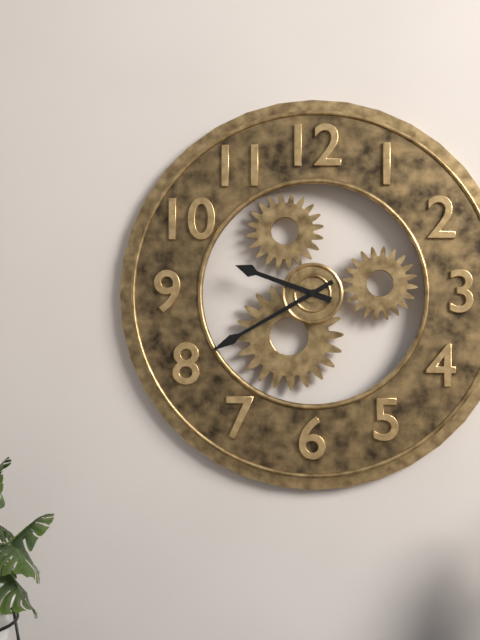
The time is h=9 m=40
